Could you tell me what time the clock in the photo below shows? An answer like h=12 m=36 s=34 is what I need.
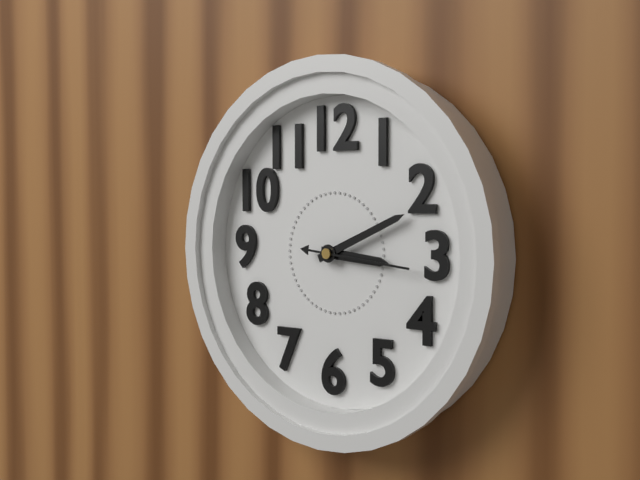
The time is h=3 m=11 s=16
